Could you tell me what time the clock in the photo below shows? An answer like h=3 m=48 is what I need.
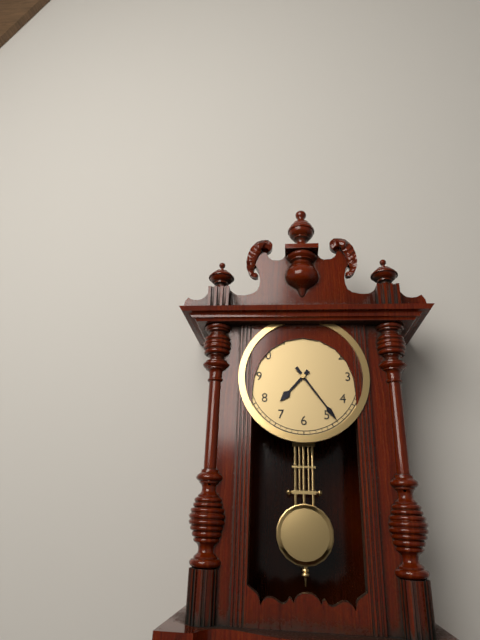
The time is h=7 m=24
